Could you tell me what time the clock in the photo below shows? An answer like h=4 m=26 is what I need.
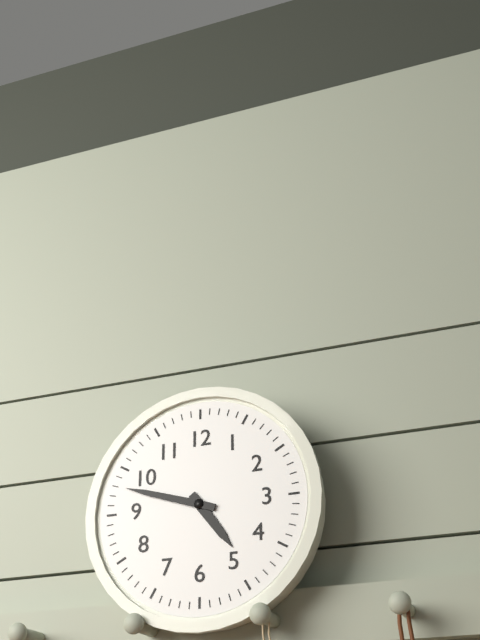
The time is h=4 m=48
